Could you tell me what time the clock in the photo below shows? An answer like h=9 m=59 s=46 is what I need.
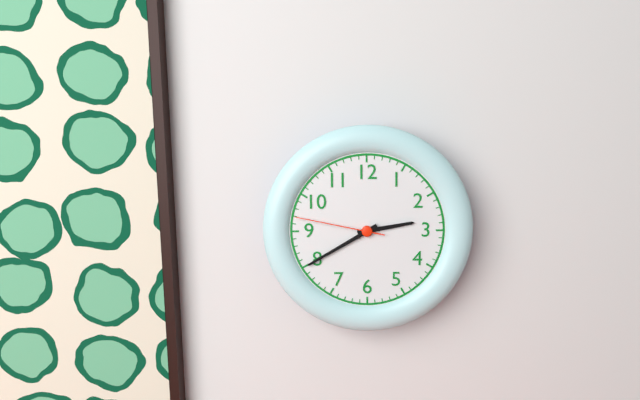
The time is h=2 m=40 s=47
